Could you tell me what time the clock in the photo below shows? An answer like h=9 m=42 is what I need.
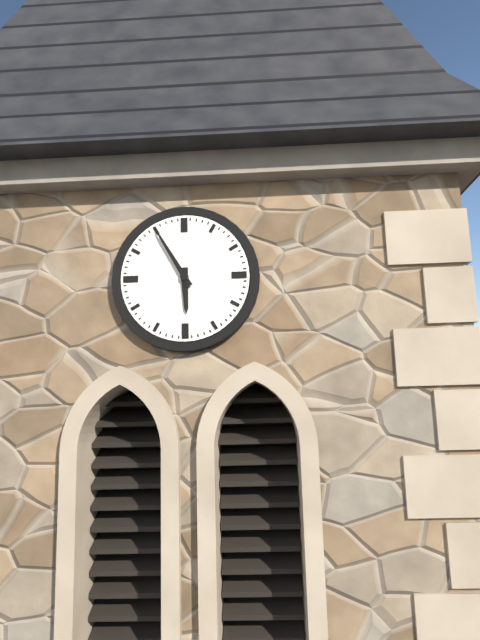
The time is h=5 m=55
